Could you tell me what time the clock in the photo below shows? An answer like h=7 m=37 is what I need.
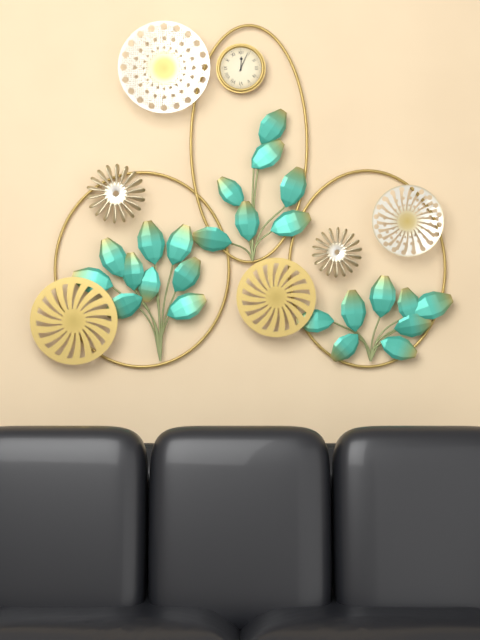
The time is h=12 m=4
